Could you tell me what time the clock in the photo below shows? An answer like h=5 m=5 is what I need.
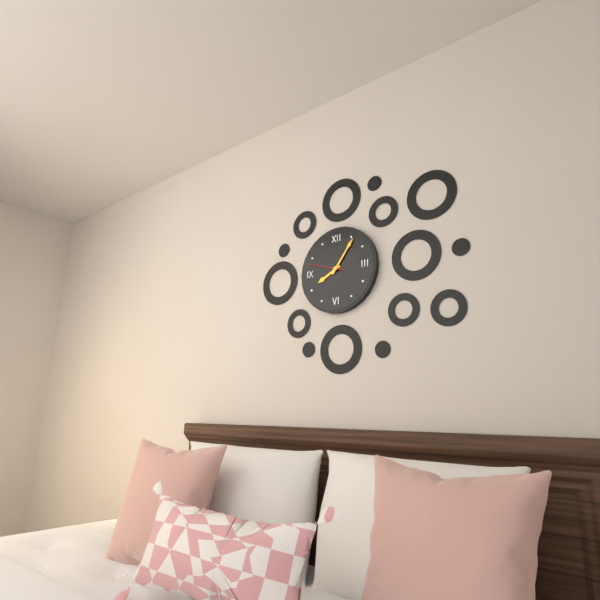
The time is h=8 m=6
